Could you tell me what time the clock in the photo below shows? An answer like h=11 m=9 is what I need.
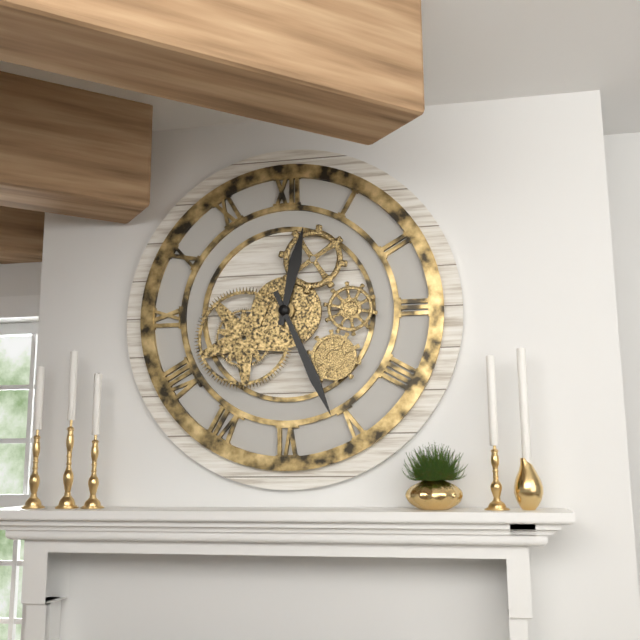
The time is h=12 m=26
